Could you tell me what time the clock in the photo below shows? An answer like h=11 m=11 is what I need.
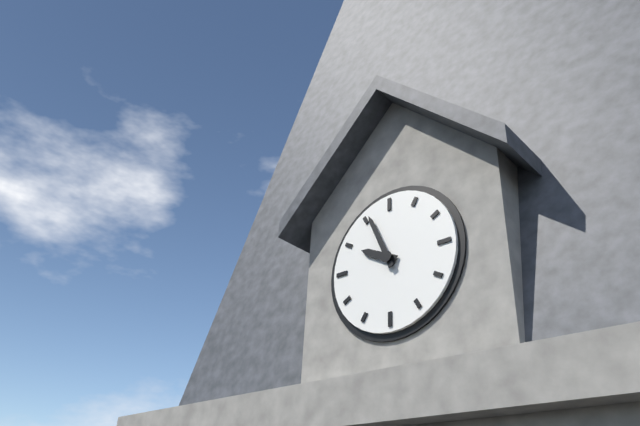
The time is h=9 m=56
